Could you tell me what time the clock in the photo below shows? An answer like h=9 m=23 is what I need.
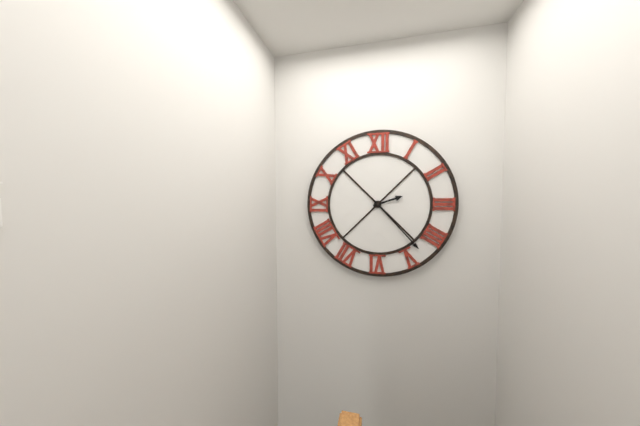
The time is h=2 m=23
